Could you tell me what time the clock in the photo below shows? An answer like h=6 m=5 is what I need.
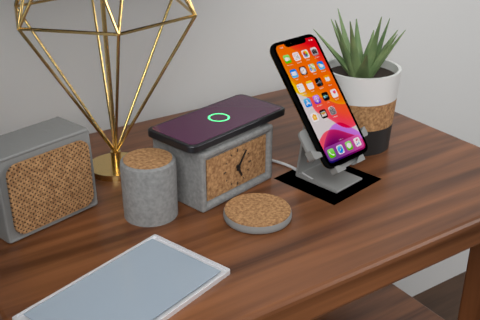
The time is h=5 m=6
